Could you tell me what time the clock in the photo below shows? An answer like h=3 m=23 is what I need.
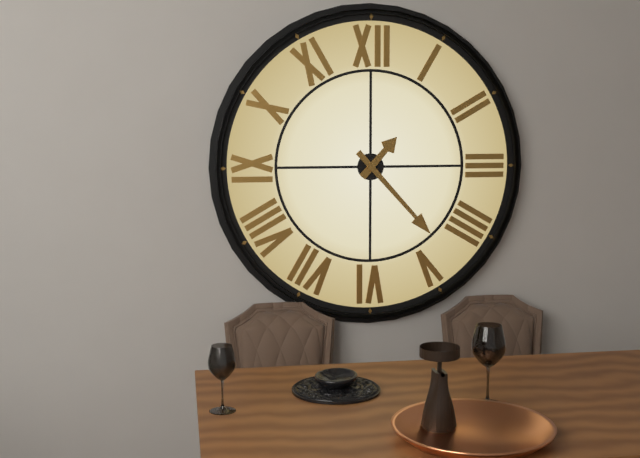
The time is h=1 m=23
